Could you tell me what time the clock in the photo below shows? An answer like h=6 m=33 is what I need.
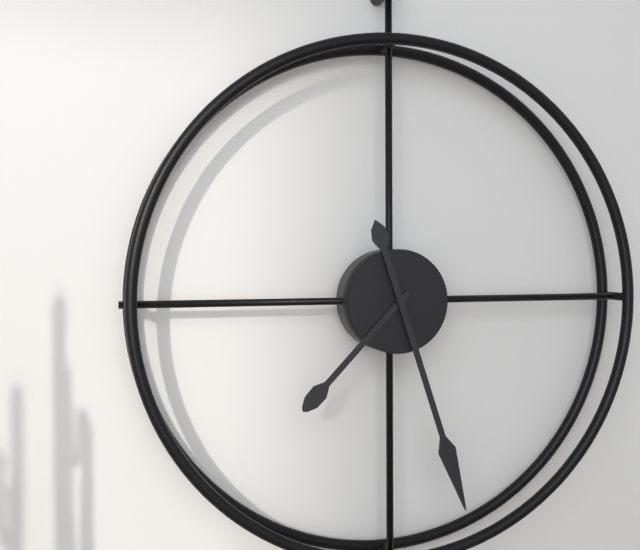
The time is h=7 m=27
